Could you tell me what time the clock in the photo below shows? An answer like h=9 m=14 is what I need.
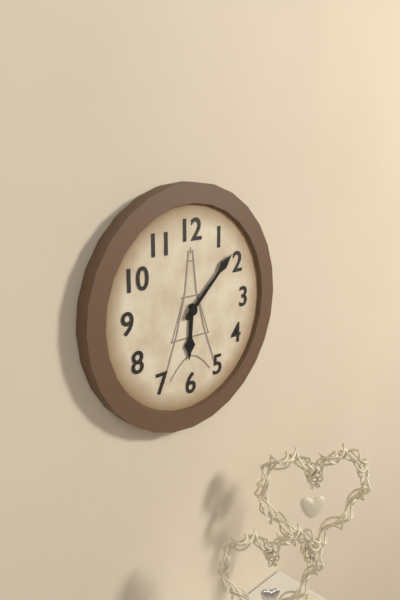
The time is h=6 m=8
